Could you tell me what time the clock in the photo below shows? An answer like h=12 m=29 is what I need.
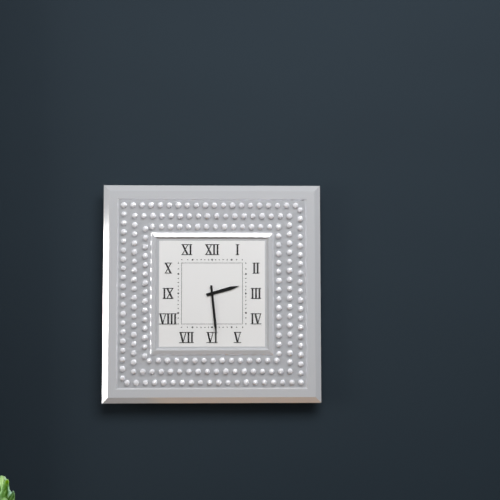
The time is h=2 m=29
